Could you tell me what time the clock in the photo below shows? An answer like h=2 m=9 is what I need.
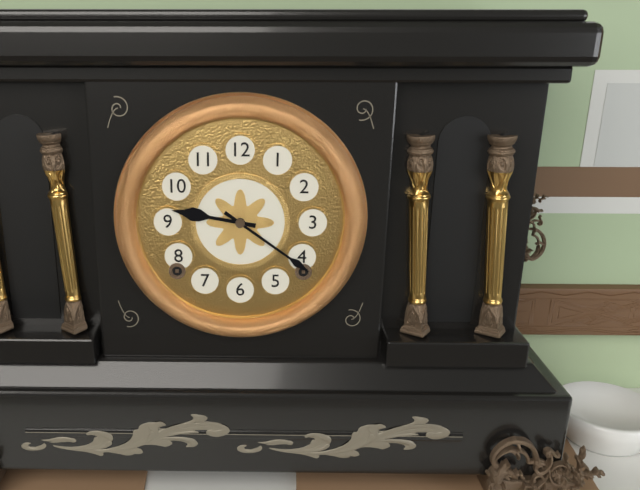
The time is h=9 m=21
